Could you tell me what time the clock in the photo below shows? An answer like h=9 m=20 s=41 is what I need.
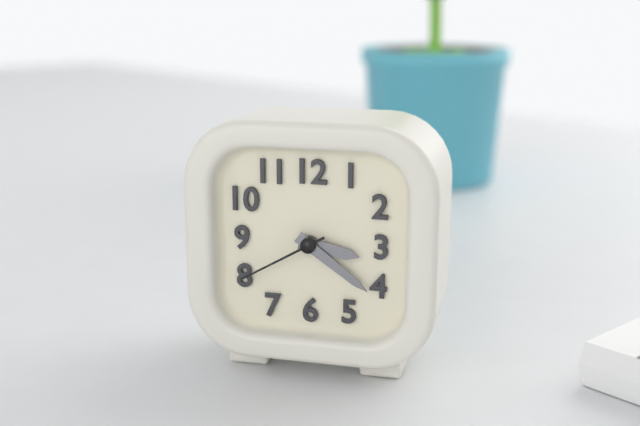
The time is h=3 m=21 s=40
